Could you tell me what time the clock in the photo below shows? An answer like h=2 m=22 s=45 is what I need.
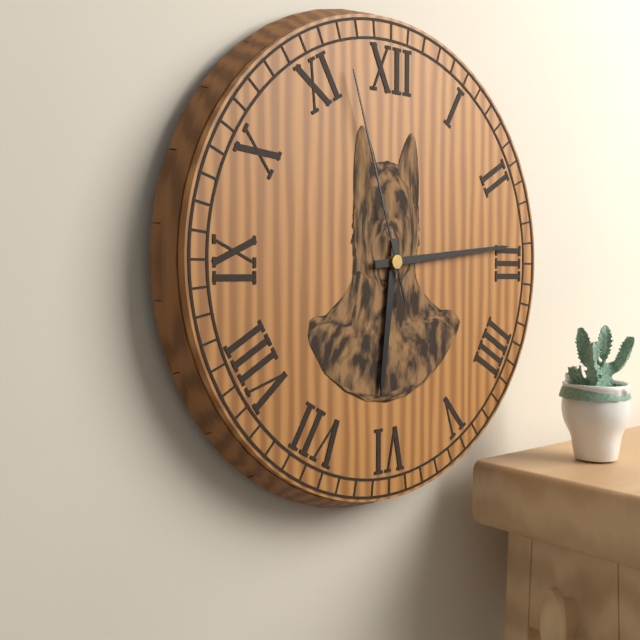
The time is h=6 m=14 s=57
